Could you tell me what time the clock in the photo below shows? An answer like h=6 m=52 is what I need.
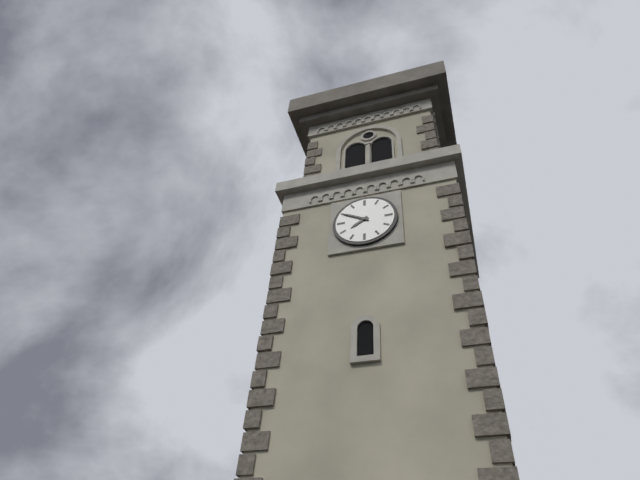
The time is h=7 m=50
